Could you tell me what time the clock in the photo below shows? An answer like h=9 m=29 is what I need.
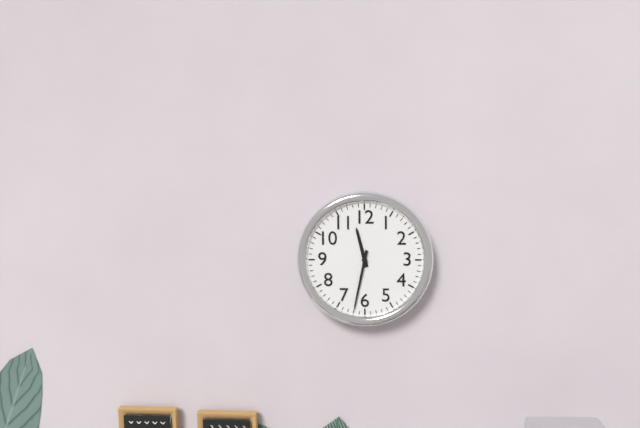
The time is h=11 m=32
